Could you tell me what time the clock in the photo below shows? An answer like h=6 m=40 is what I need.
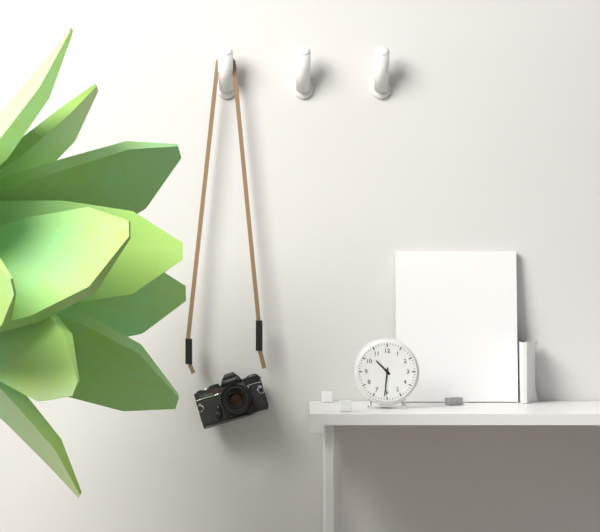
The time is h=10 m=31
